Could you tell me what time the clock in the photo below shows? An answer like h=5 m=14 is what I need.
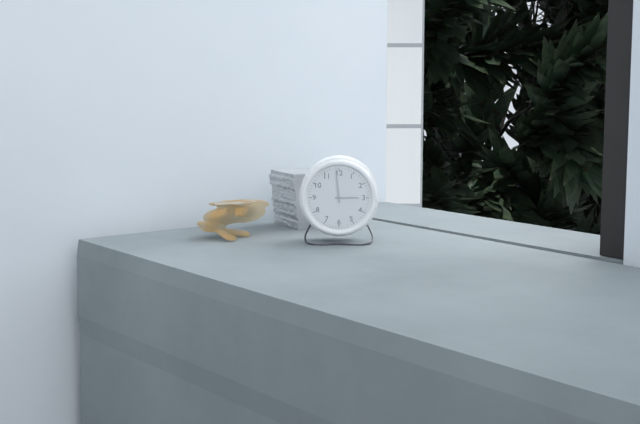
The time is h=2 m=59
